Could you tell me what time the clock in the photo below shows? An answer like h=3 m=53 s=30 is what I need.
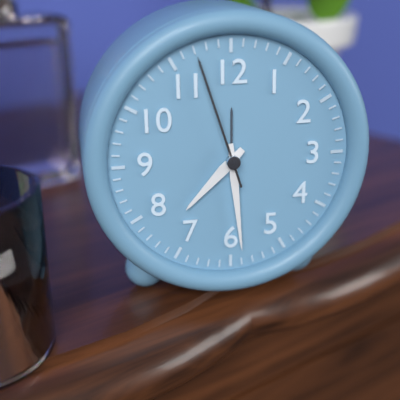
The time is h=7 m=29 s=57
